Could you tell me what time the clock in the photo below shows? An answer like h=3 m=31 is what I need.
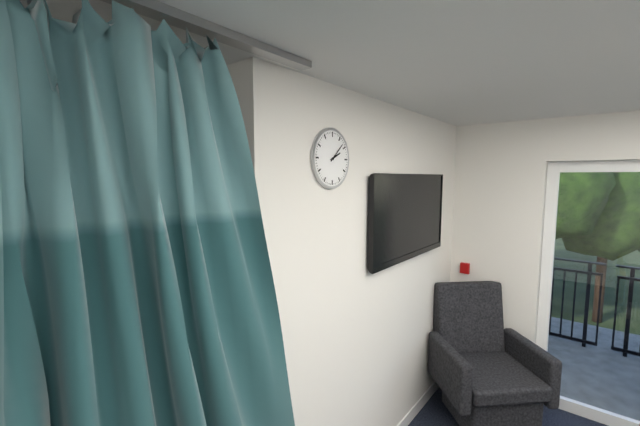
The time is h=2 m=8
